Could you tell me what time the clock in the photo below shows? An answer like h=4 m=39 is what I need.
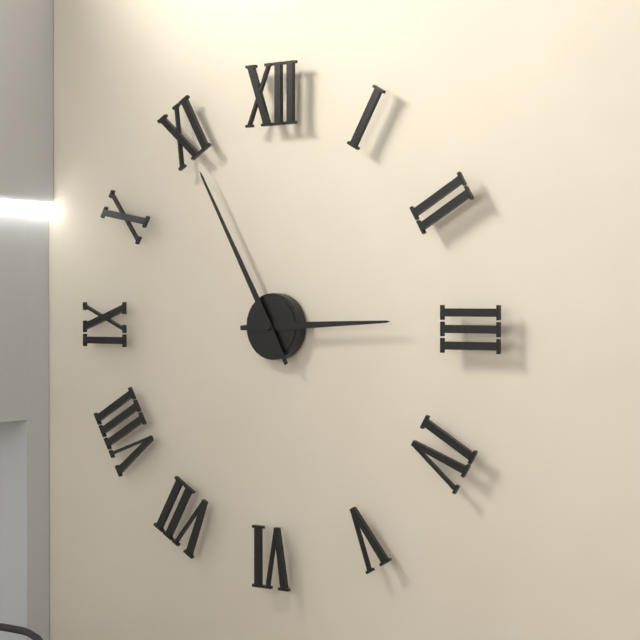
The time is h=2 m=55
